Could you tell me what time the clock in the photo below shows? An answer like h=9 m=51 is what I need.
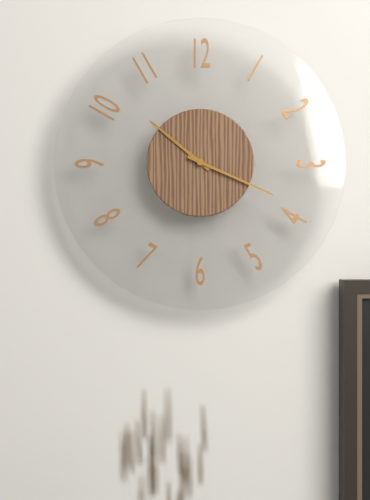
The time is h=10 m=19
